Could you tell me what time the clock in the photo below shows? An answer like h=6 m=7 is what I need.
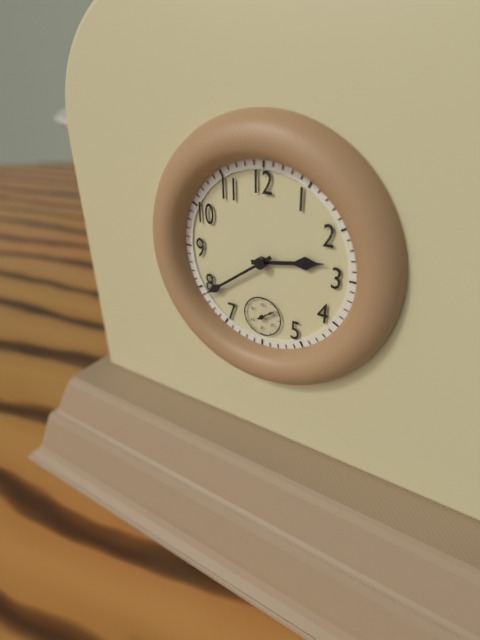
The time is h=2 m=39
